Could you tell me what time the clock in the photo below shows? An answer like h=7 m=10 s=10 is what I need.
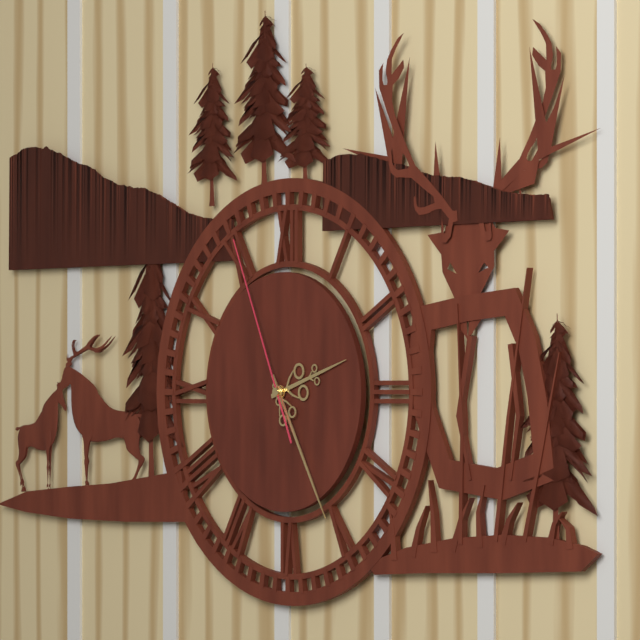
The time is h=2 m=25 s=56
